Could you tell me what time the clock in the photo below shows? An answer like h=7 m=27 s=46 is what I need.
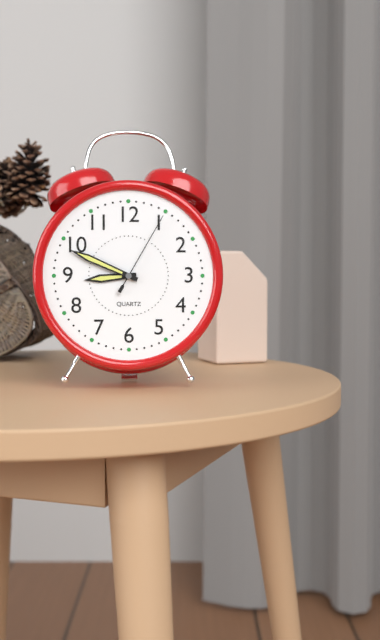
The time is h=8 m=49 s=5
